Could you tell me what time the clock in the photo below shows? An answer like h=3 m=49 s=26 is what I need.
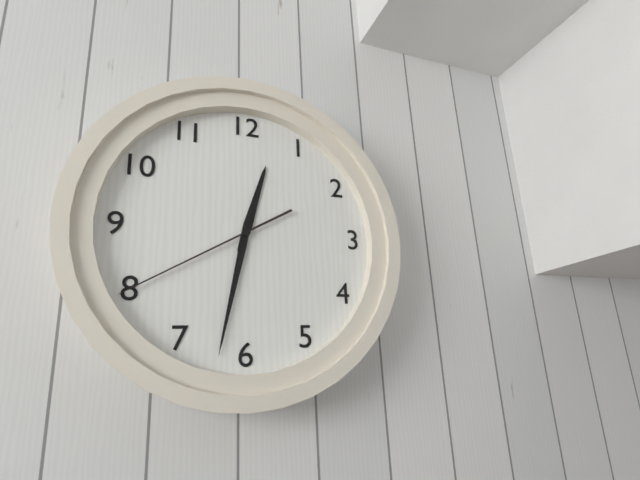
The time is h=12 m=32 s=40
